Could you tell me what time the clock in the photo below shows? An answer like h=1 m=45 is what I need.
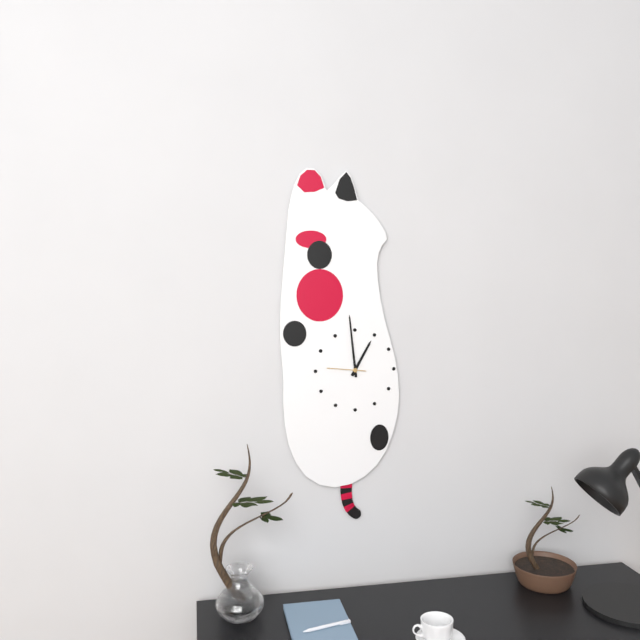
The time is h=12 m=59
